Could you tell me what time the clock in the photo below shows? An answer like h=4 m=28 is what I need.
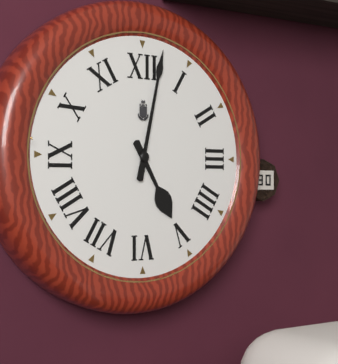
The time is h=5 m=2
